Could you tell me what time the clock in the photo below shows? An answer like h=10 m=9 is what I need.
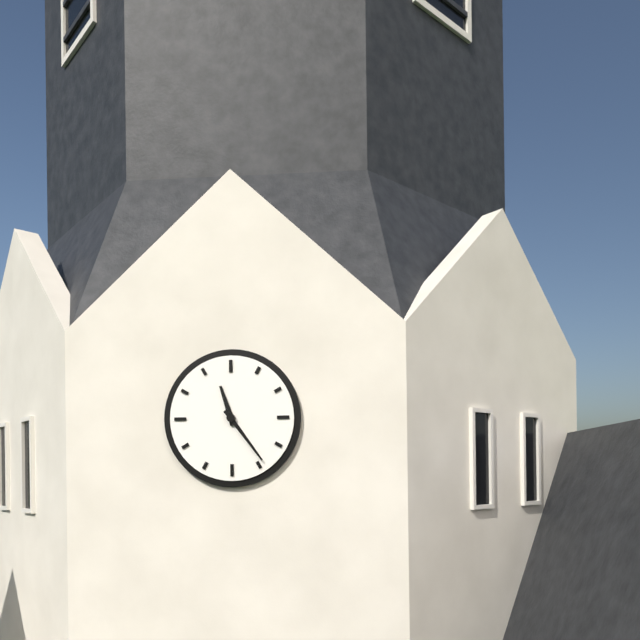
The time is h=11 m=24
